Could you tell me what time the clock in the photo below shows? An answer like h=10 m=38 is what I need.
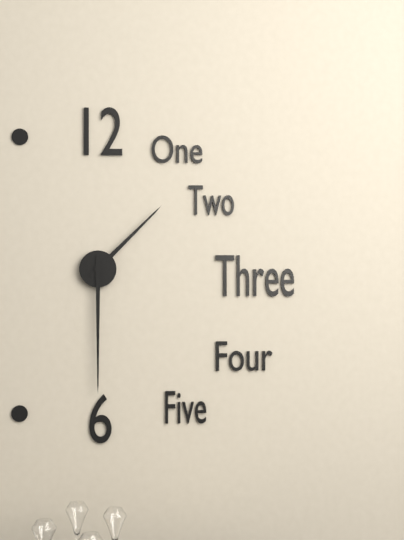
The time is h=1 m=30
